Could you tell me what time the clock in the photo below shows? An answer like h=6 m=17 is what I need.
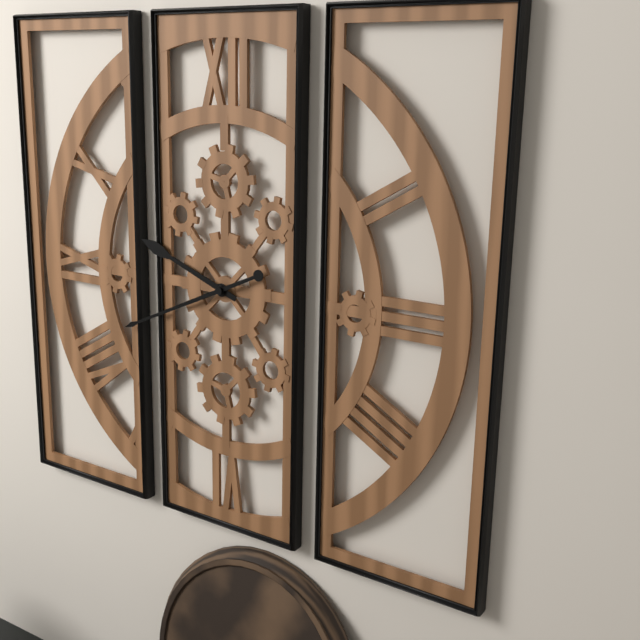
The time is h=9 m=41
